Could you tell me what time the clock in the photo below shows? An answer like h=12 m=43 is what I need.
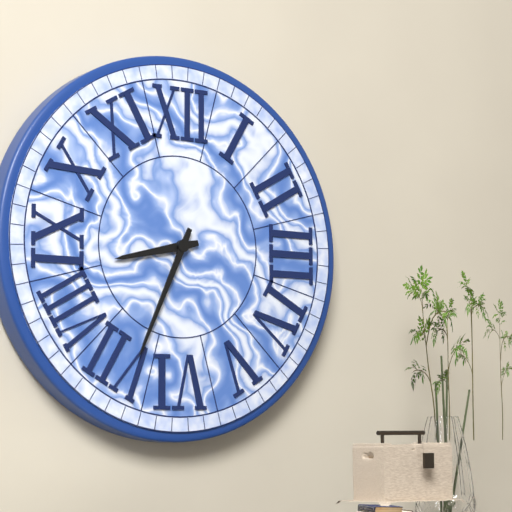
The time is h=8 m=34
